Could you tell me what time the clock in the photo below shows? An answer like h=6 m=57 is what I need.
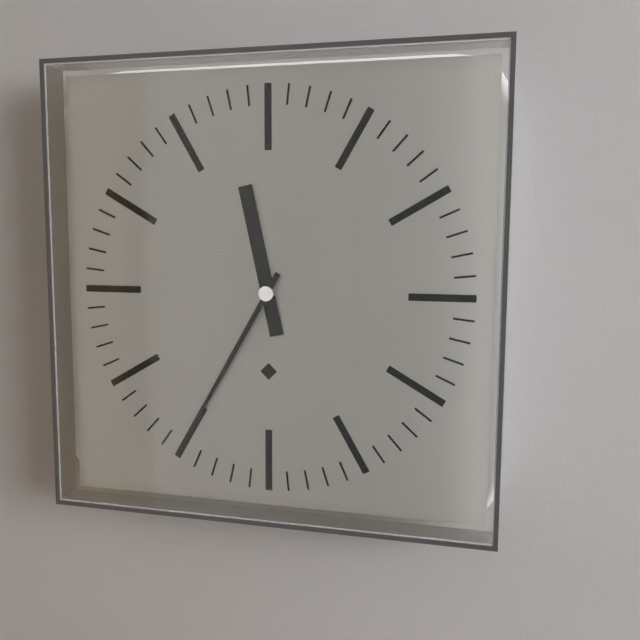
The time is h=11 m=35
